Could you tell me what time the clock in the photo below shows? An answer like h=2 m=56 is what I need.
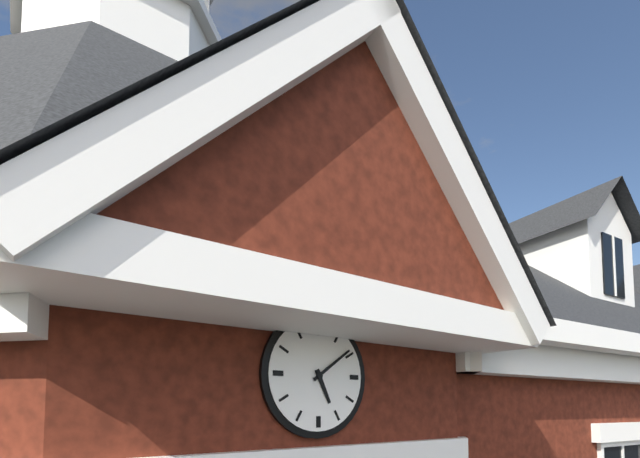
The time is h=5 m=9
